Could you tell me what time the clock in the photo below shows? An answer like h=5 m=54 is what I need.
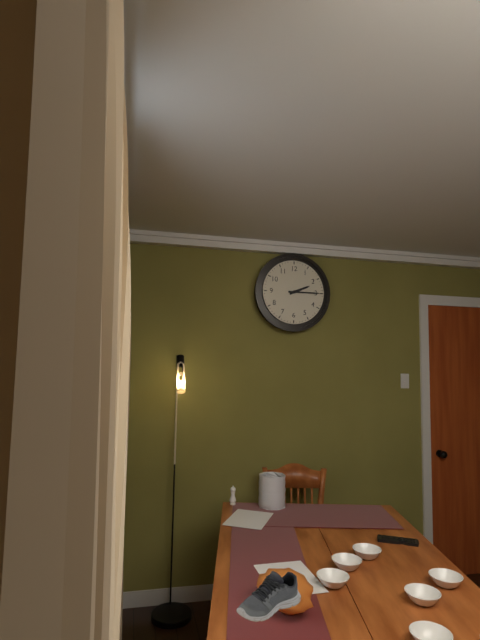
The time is h=2 m=15
